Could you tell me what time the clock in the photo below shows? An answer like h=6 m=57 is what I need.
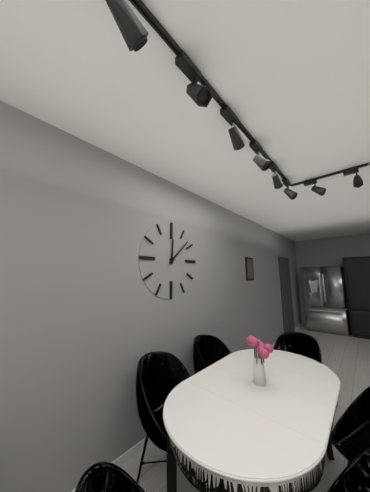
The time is h=12 m=8
